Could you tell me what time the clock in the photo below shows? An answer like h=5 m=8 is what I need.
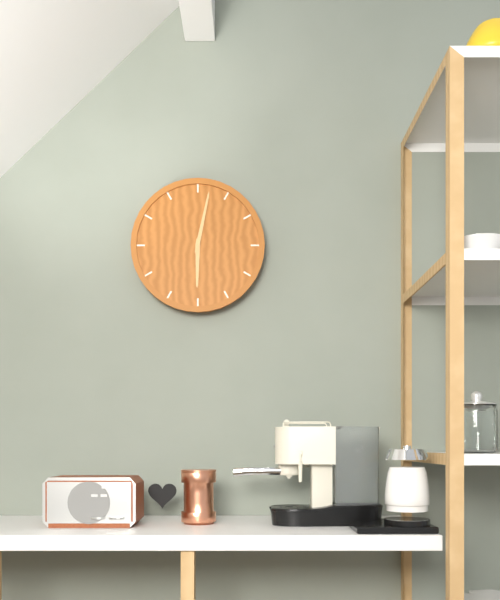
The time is h=6 m=2
